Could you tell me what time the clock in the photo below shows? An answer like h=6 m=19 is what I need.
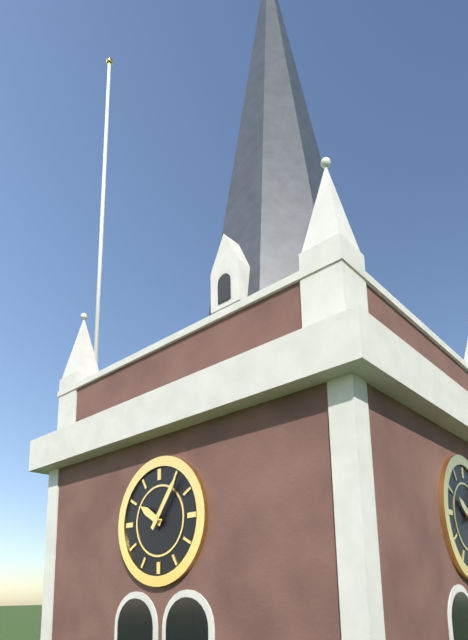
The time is h=10 m=6
